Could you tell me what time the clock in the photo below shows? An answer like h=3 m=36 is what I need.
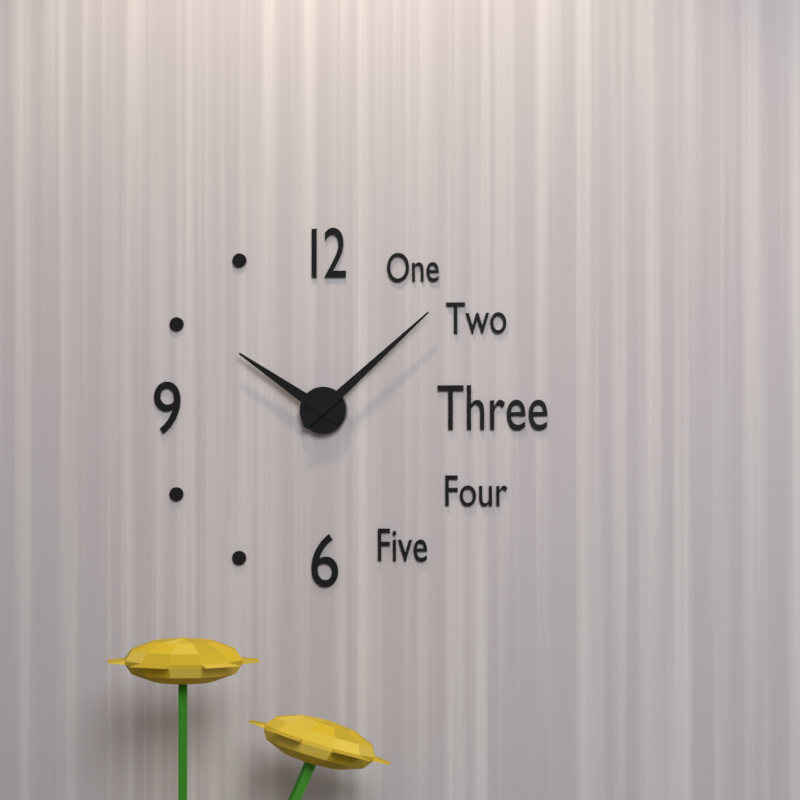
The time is h=10 m=8
